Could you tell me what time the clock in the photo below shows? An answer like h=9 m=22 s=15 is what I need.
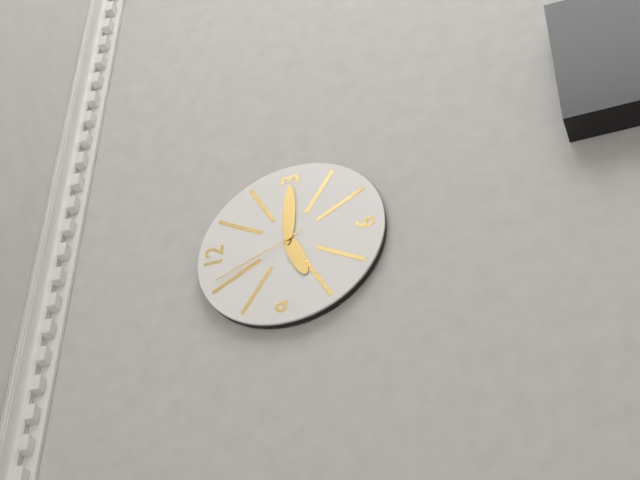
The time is h=8 m=15 s=56
